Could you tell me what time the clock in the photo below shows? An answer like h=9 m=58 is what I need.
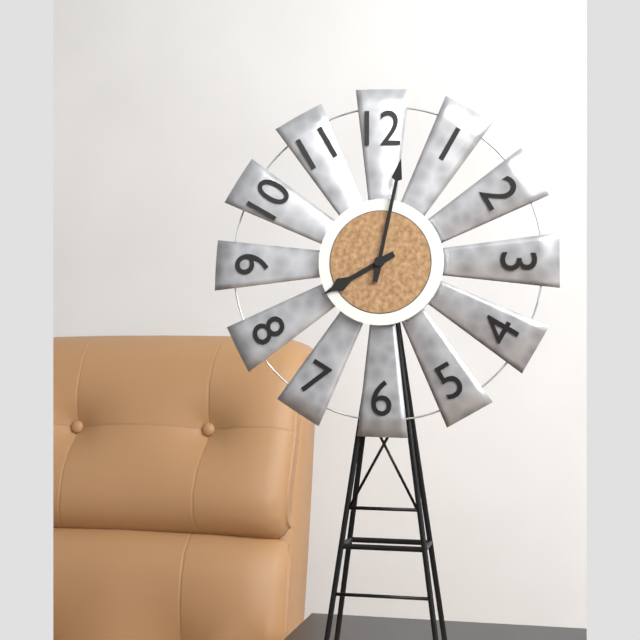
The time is h=8 m=2
